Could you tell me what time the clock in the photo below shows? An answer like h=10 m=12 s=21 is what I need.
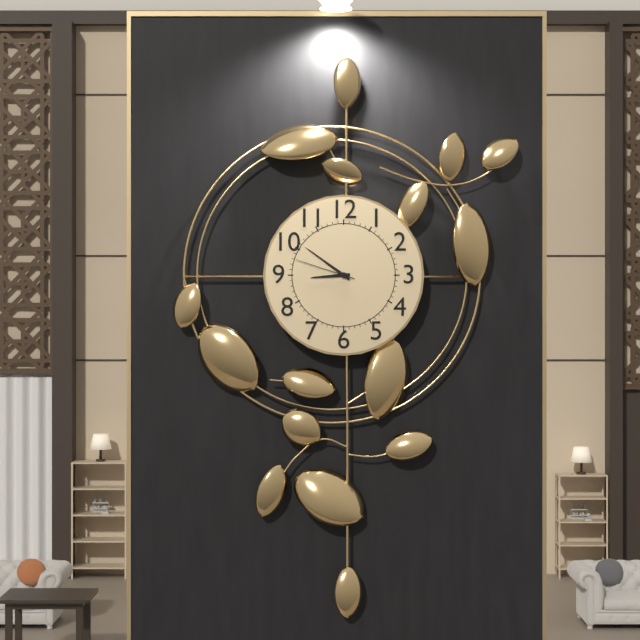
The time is h=8 m=51 s=48
